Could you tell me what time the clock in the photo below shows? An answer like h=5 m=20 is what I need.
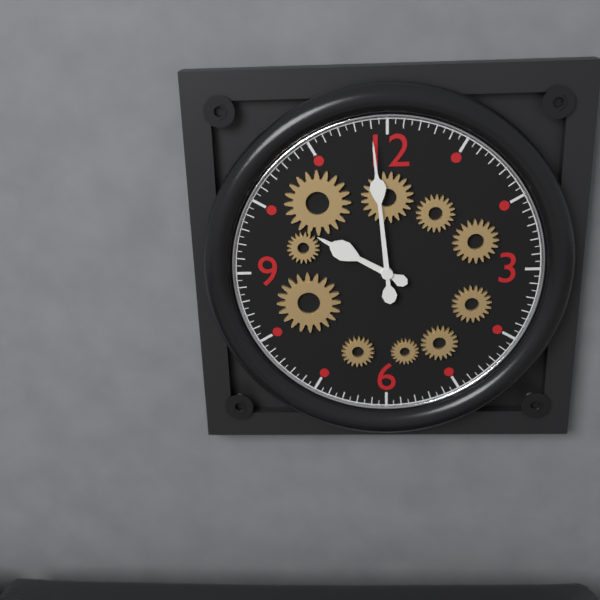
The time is h=9 m=59
